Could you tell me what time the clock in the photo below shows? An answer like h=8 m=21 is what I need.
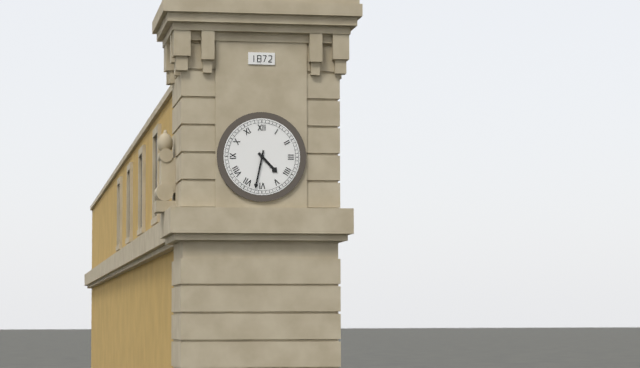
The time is h=4 m=32
